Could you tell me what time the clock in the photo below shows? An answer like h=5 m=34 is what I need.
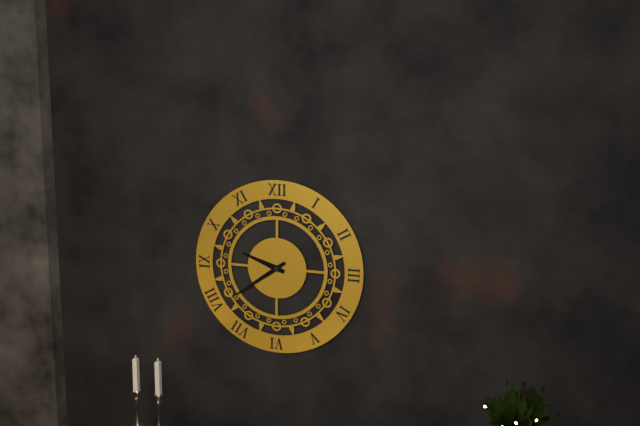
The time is h=9 m=39
